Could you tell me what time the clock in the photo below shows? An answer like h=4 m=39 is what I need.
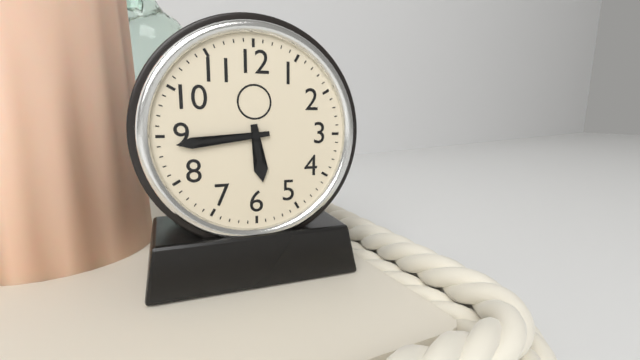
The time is h=5 m=44
